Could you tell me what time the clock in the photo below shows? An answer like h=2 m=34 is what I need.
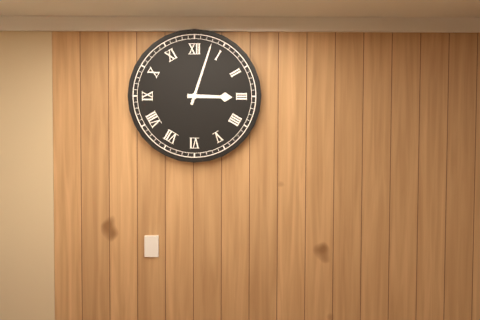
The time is h=3 m=3
